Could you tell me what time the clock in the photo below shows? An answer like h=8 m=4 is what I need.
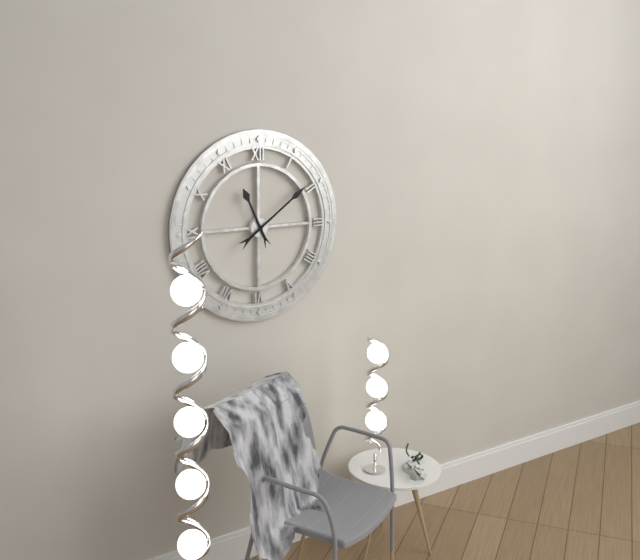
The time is h=11 m=9
